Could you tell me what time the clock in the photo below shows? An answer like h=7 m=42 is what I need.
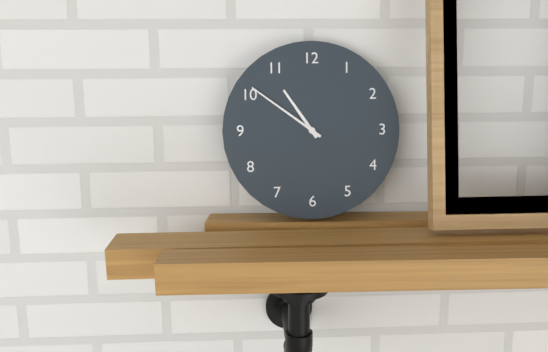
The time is h=10 m=51
